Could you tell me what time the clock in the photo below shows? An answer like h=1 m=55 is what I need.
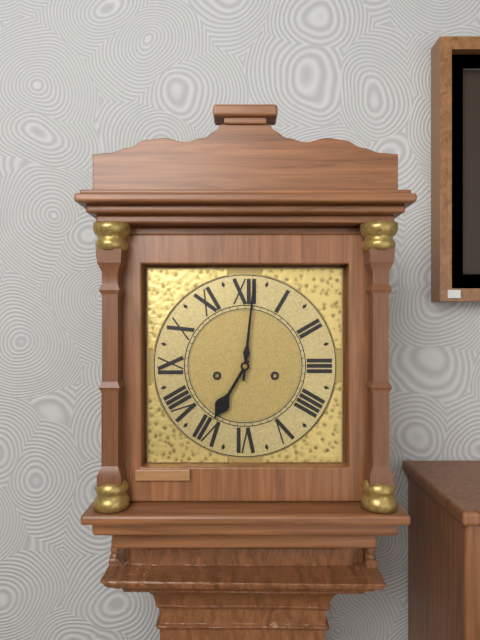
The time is h=7 m=1
